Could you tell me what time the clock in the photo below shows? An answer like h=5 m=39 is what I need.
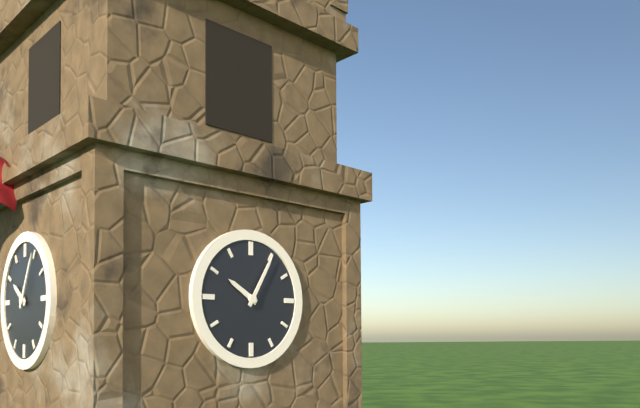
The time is h=10 m=5
